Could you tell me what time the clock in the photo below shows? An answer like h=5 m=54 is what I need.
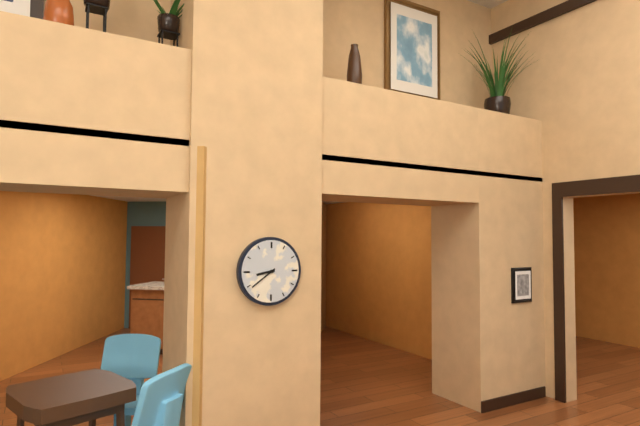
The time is h=8 m=39
